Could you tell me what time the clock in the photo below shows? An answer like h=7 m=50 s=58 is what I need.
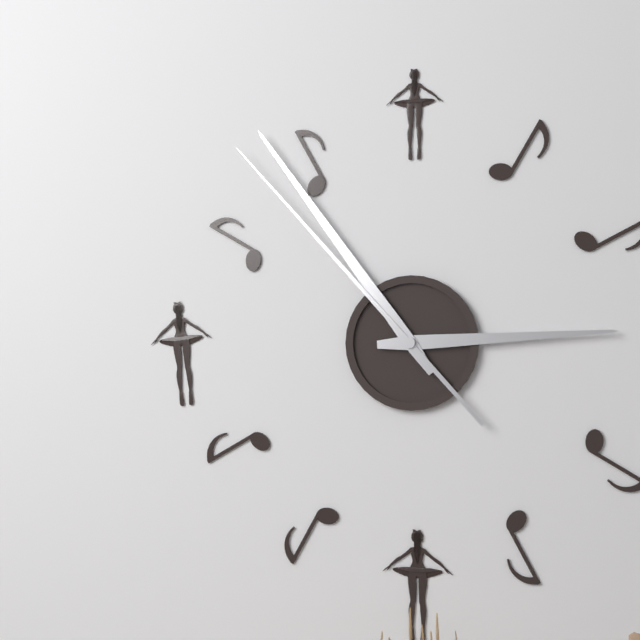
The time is h=2 m=54 s=53
